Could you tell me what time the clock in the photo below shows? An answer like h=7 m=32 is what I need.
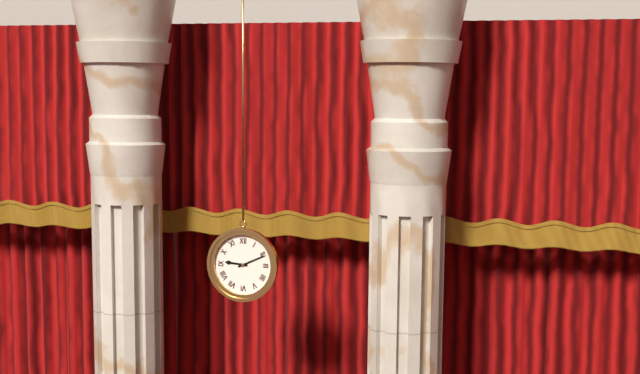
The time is h=9 m=11
